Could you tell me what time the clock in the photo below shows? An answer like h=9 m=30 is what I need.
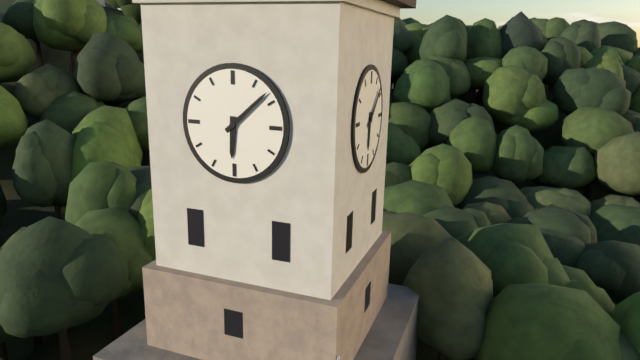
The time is h=6 m=8
